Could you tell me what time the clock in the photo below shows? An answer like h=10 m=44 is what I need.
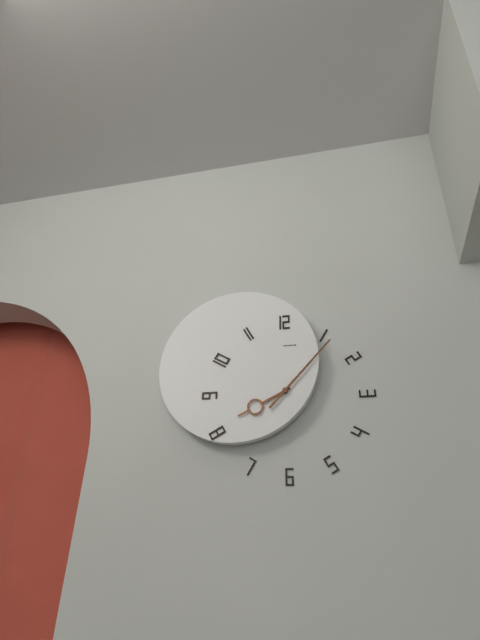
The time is h=8 m=7
